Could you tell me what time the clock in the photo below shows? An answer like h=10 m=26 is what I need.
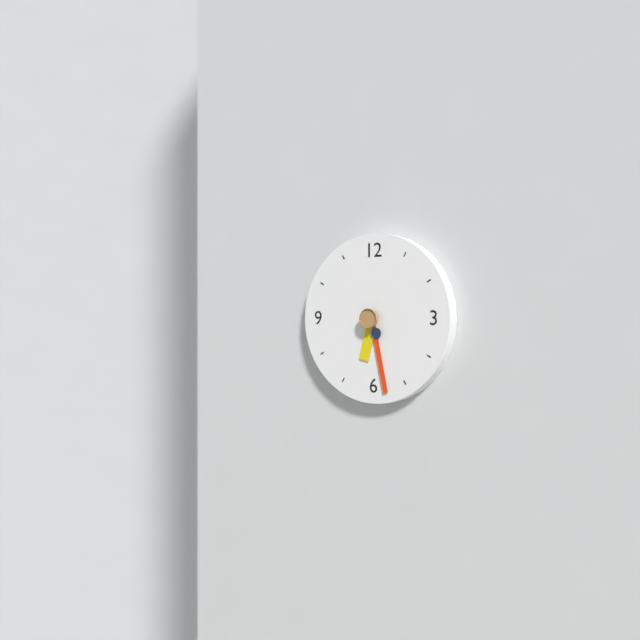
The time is h=6 m=28
